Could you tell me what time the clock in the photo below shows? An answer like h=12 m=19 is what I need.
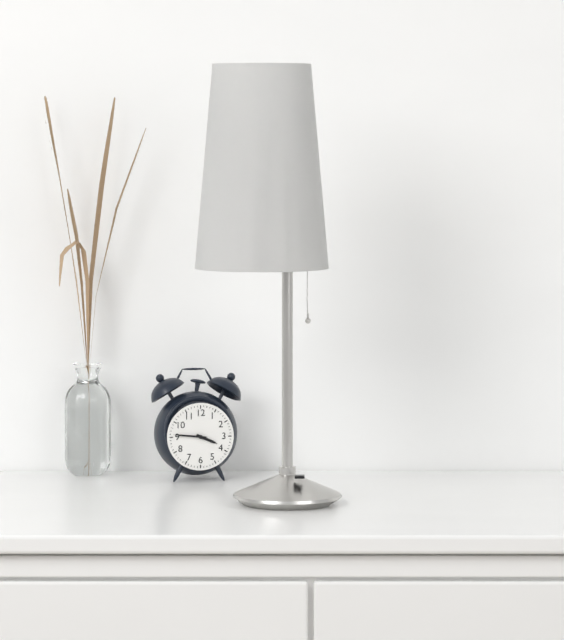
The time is h=3 m=46
